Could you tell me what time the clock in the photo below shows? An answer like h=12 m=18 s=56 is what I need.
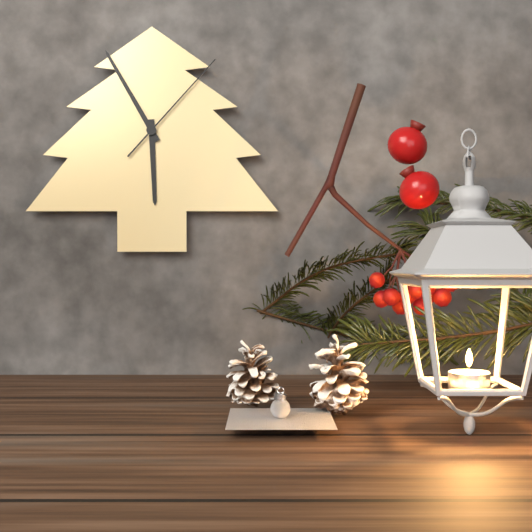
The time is h=5 m=55 s=7
